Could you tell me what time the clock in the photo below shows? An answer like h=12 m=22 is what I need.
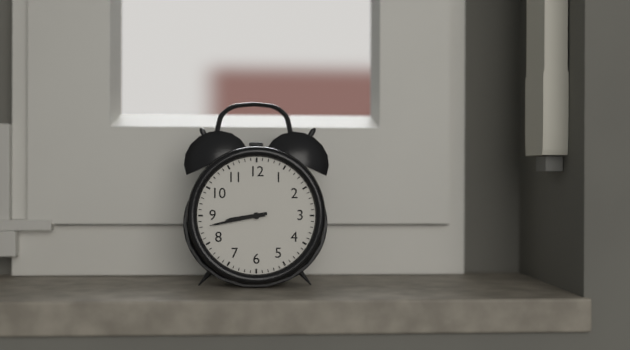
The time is h=8 m=43
